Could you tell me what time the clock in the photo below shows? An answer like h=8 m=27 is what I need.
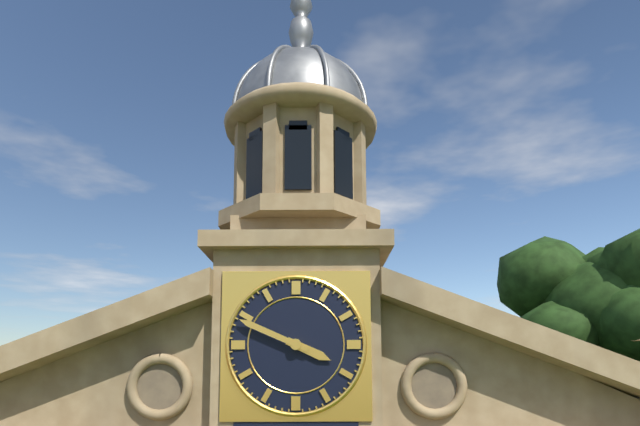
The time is h=3 m=49
